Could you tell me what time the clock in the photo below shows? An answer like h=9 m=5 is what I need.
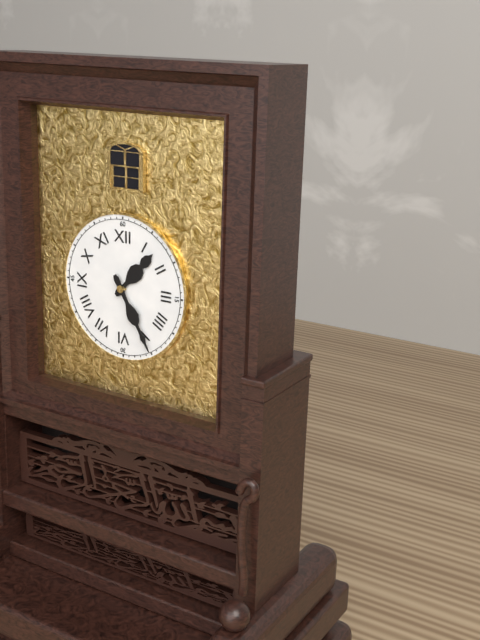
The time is h=1 m=25
